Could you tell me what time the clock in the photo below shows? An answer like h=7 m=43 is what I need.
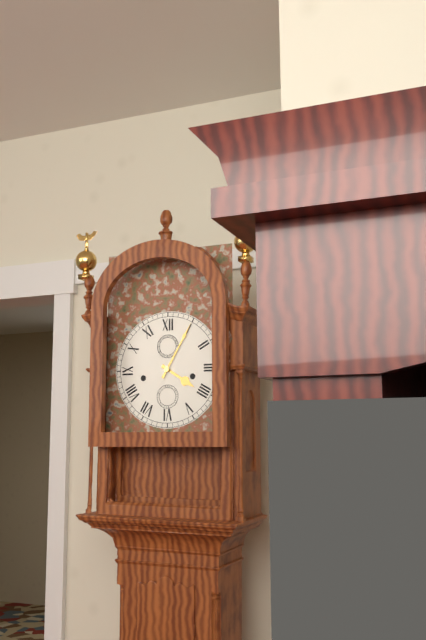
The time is h=4 m=5
